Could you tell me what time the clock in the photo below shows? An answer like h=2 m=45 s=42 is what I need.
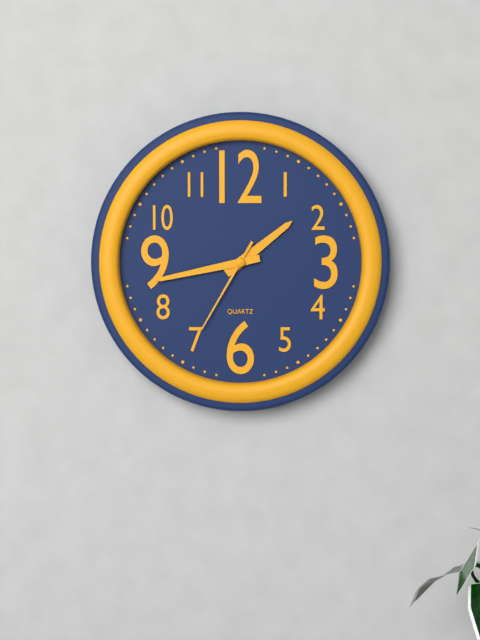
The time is h=1 m=43 s=35
